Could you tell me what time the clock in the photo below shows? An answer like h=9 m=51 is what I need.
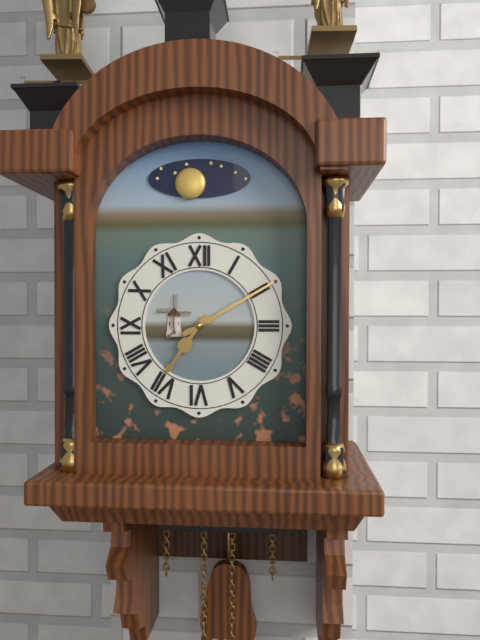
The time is h=7 m=10
